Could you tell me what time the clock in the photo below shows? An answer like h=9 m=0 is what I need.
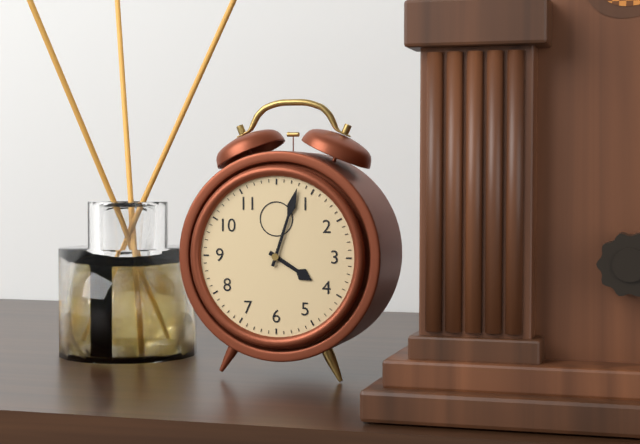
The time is h=4 m=3
